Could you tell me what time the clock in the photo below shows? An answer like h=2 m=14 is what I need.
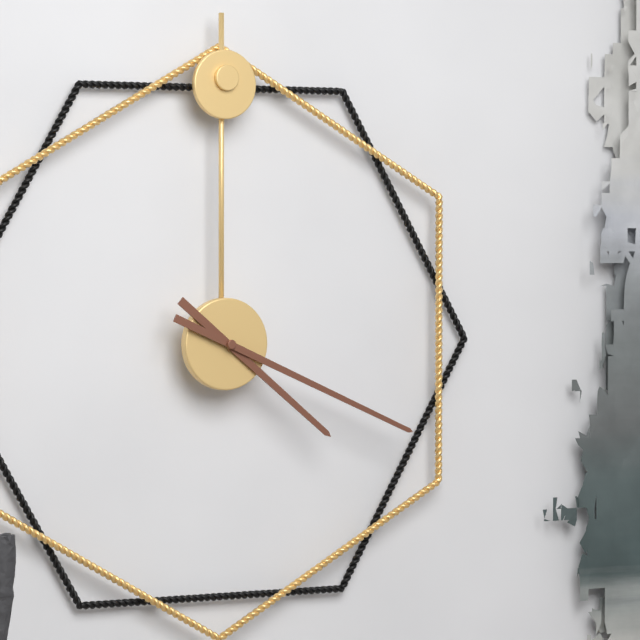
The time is h=4 m=19
